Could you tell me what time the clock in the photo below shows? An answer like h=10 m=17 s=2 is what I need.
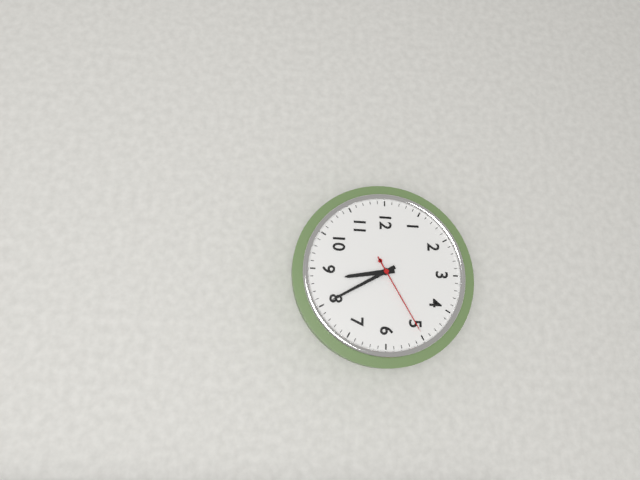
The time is h=8 m=40 s=25
